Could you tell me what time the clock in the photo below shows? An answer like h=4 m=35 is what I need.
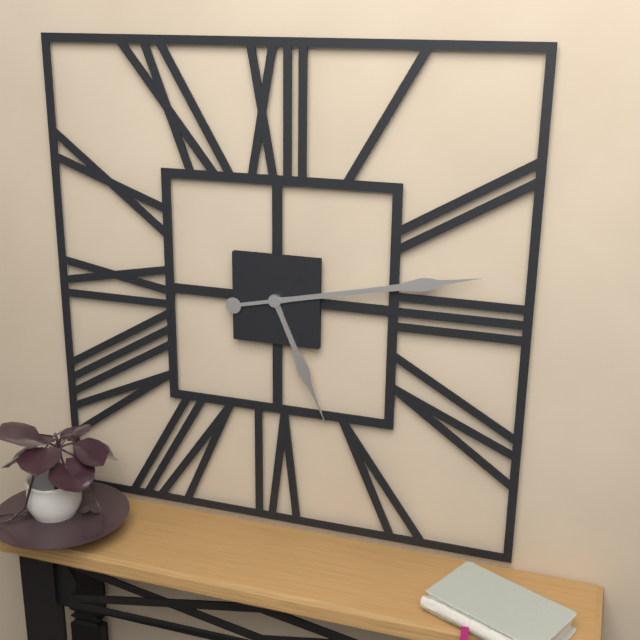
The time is h=5 m=13
